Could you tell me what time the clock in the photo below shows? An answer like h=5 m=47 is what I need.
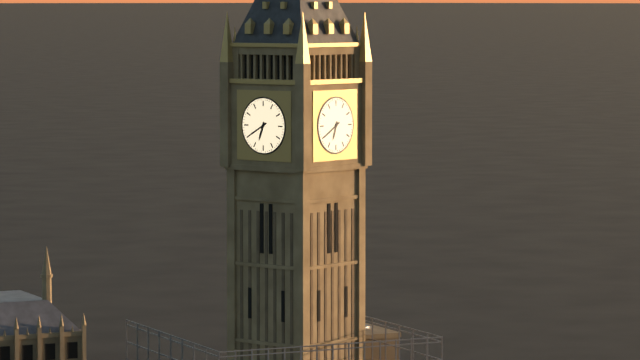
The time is h=6 m=40
